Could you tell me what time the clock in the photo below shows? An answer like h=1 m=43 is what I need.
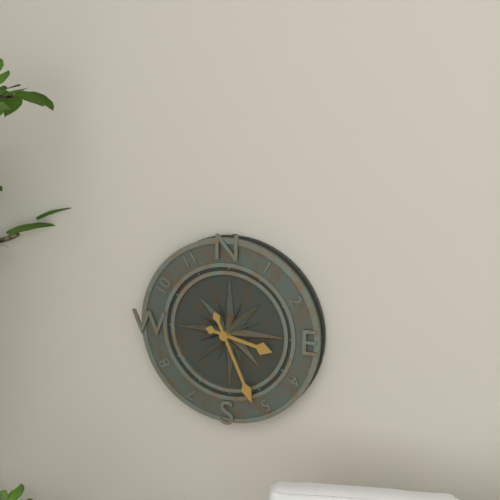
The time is h=3 m=26
